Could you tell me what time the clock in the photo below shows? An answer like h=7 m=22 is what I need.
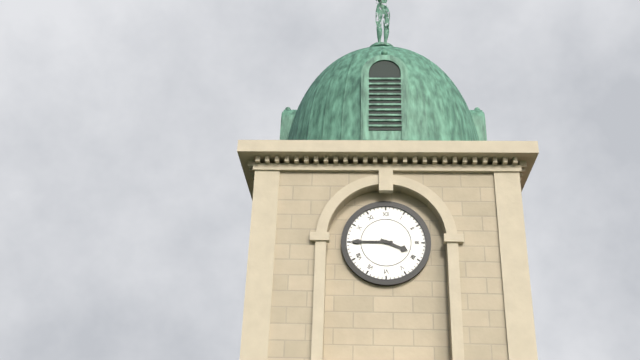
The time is h=3 m=45
